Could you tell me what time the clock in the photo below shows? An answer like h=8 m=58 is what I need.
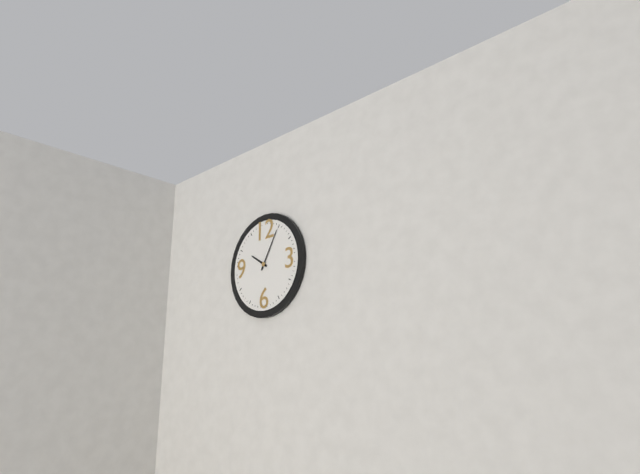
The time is h=10 m=5
